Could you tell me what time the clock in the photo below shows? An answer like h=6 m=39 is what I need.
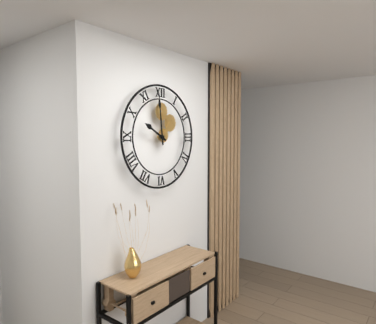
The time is h=9 m=59
